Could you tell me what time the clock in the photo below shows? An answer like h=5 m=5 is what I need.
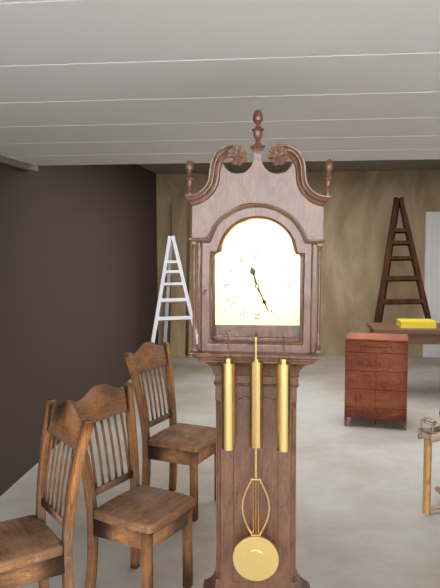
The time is h=11 m=26
